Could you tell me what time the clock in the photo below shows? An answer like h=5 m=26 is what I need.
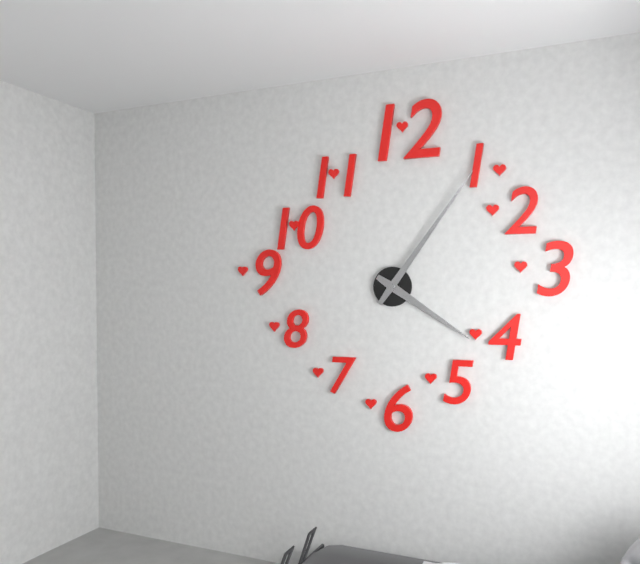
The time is h=4 m=6
